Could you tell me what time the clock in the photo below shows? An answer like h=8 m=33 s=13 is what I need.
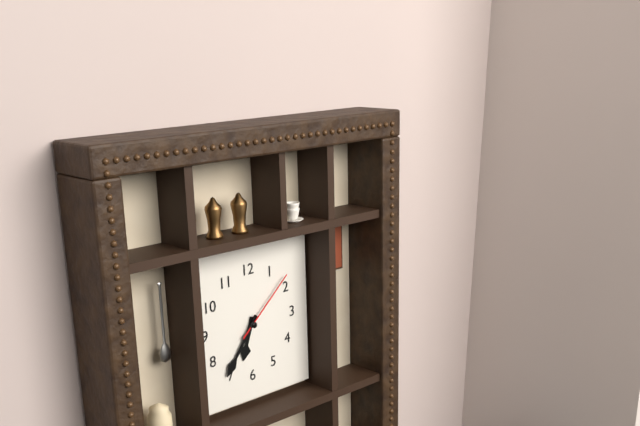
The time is h=6 m=36 s=8
